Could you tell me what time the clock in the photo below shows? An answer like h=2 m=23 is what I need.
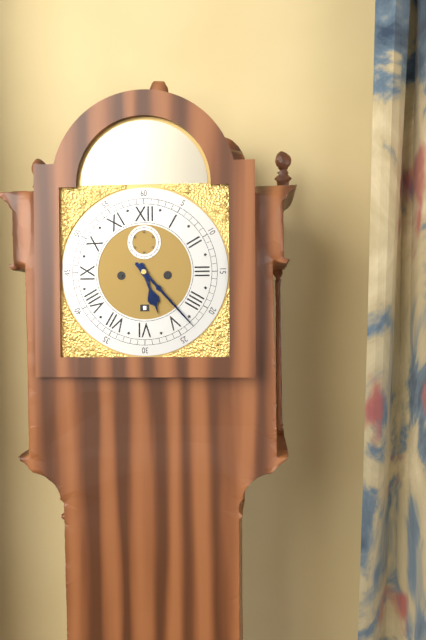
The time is h=5 m=23
